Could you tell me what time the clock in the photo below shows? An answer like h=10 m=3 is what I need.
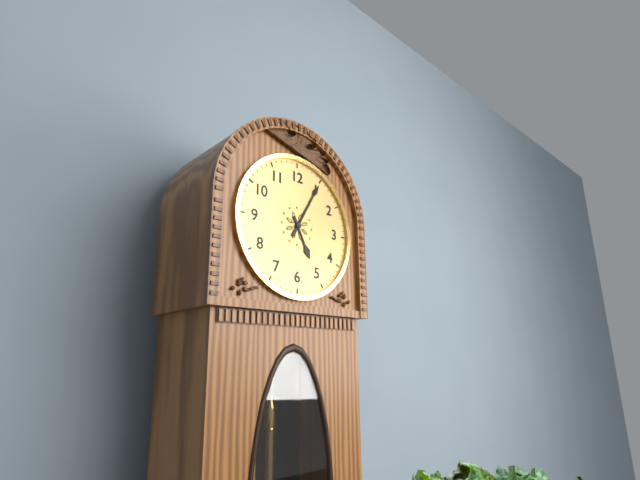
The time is h=5 m=5
